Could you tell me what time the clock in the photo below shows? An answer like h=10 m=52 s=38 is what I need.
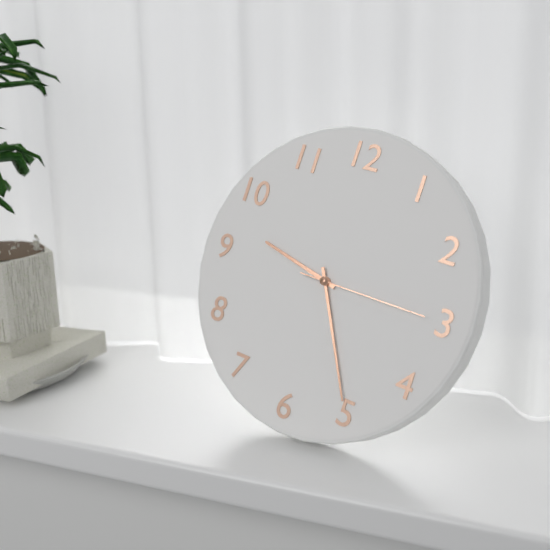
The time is h=9 m=25 s=15
